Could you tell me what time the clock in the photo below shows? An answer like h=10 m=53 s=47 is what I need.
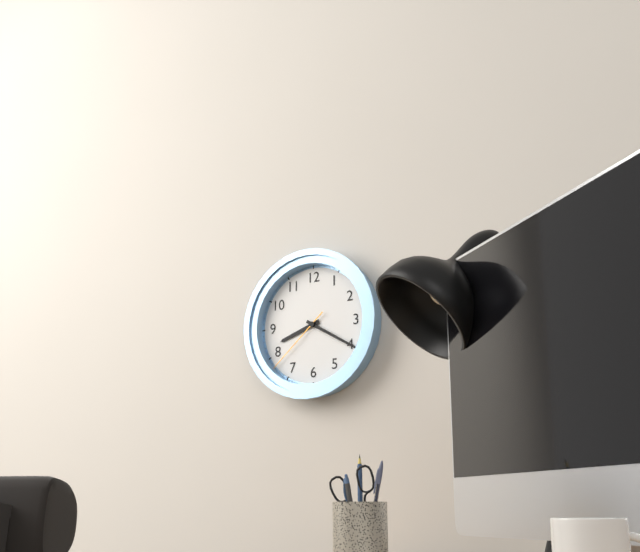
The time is h=8 m=20 s=38
